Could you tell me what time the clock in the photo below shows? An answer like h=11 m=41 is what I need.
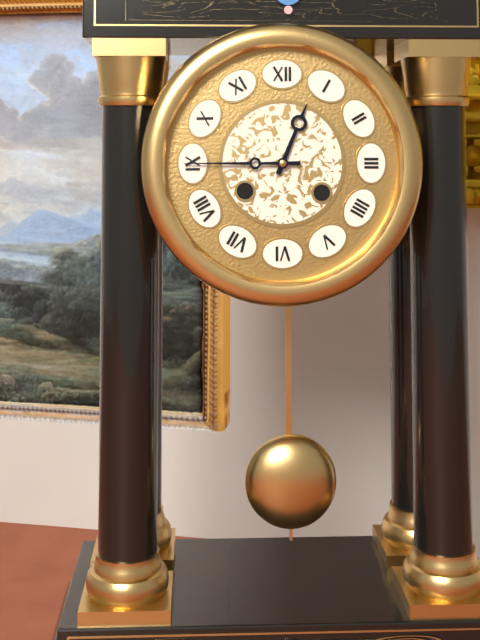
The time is h=12 m=45
